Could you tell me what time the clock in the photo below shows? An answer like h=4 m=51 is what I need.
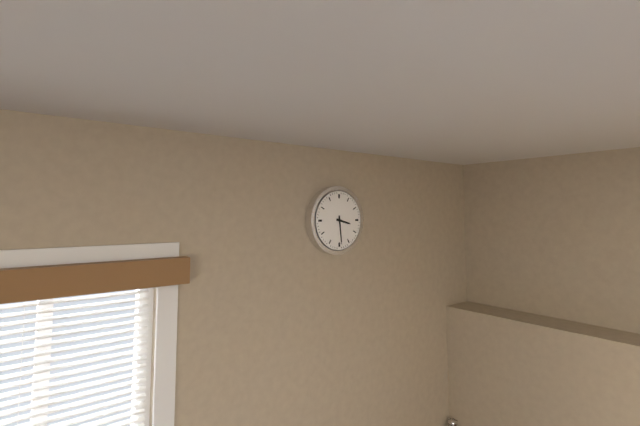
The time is h=3 m=29
